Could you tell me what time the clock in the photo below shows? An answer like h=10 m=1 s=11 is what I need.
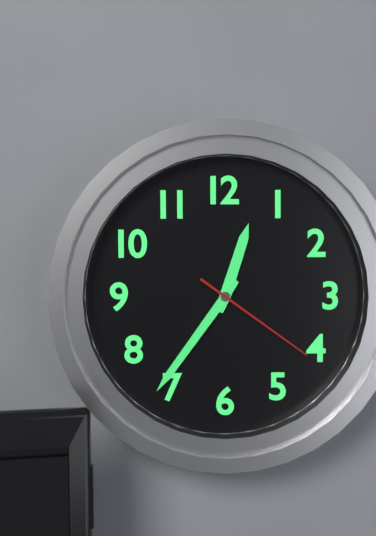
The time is h=12 m=36 s=21
